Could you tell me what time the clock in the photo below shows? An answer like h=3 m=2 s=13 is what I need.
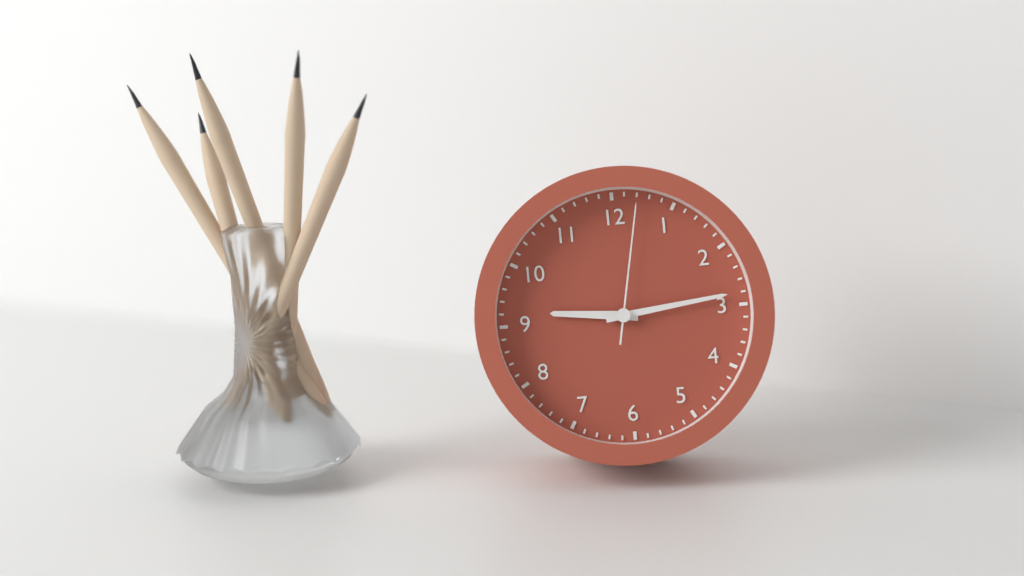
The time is h=9 m=14 s=2
